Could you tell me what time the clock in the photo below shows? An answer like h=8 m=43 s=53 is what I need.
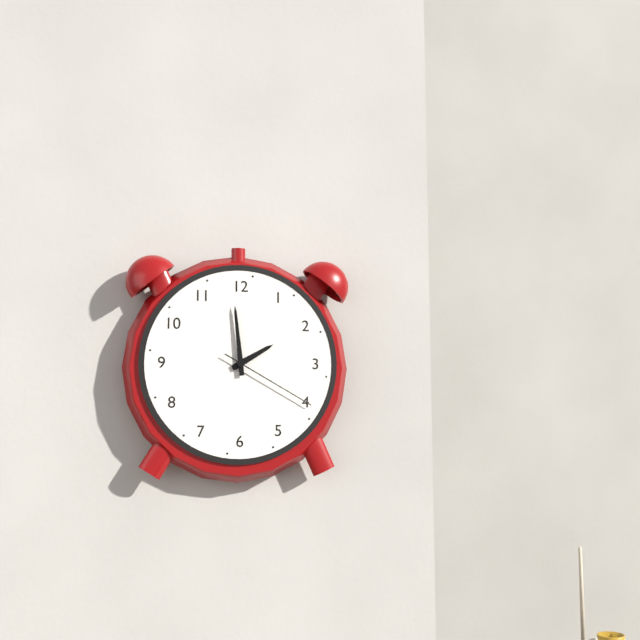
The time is h=1 m=59 s=20
